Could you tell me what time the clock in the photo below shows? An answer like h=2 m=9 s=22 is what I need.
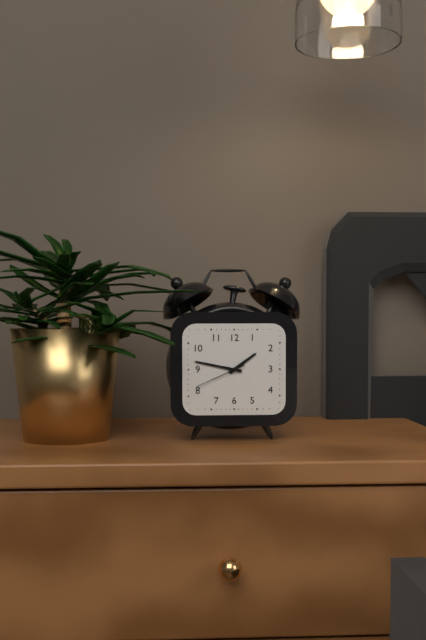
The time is h=1 m=47 s=41
